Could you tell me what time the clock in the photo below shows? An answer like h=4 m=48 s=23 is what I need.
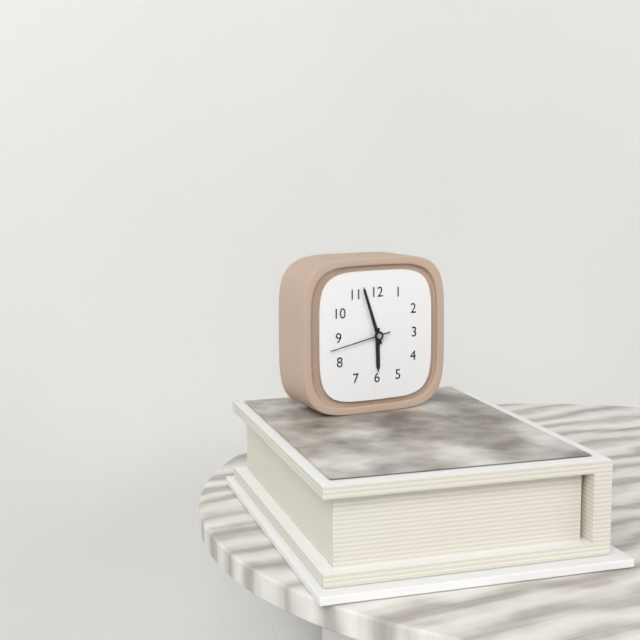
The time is h=5 m=57 s=43
